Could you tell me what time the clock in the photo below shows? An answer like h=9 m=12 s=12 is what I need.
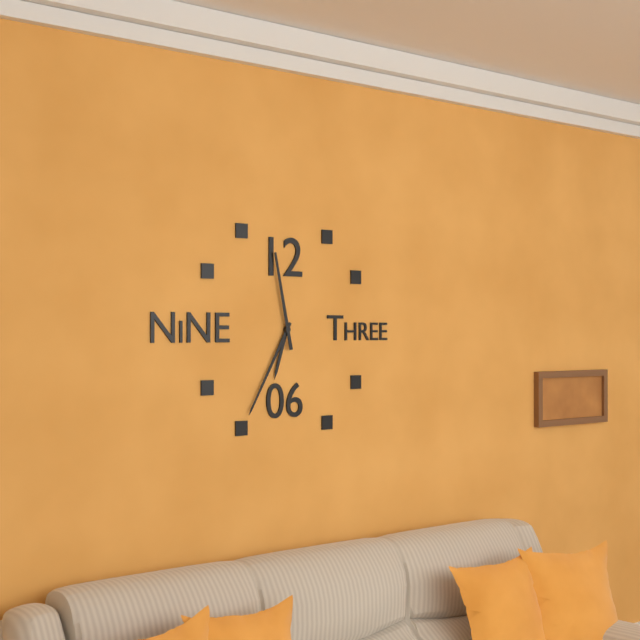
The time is h=6 m=35 s=58
